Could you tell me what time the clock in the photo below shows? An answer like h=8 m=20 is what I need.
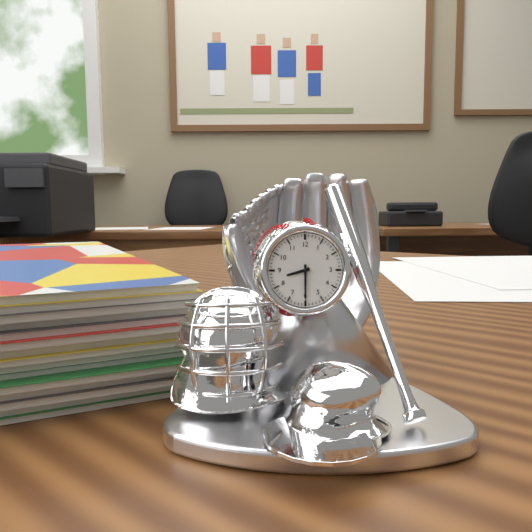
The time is h=8 m=30
